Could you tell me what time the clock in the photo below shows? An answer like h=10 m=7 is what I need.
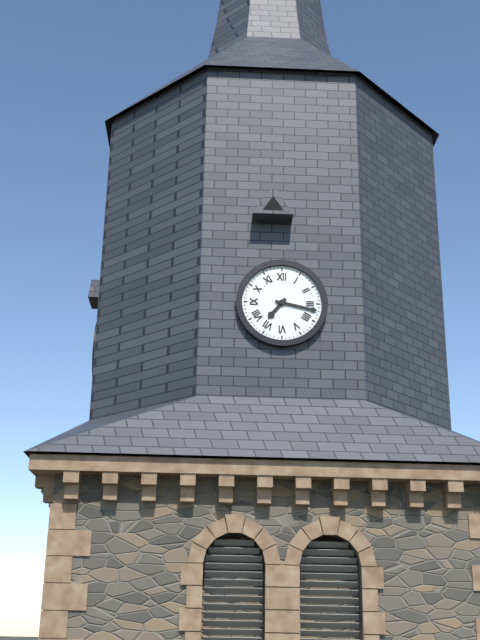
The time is h=7 m=17
